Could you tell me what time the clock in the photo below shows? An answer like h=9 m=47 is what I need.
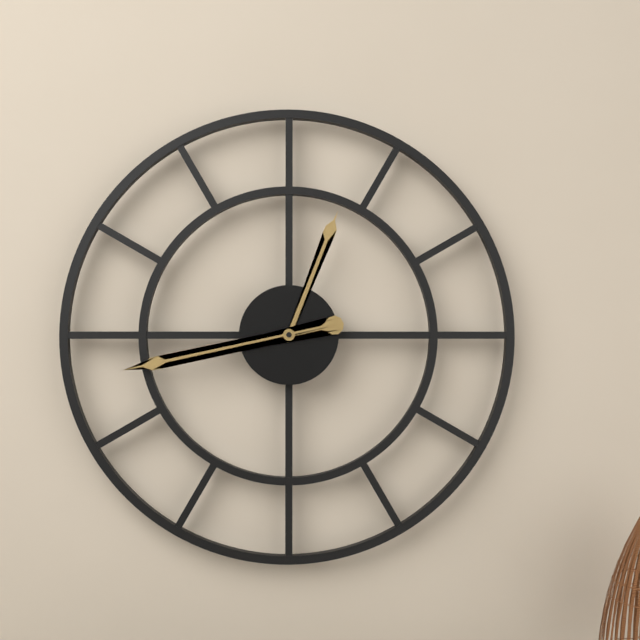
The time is h=12 m=43
